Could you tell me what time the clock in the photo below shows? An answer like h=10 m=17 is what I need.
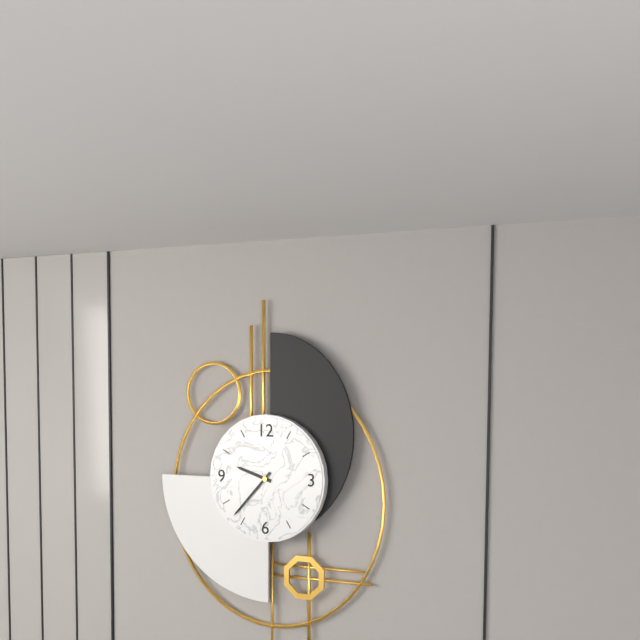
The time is h=9 m=37
